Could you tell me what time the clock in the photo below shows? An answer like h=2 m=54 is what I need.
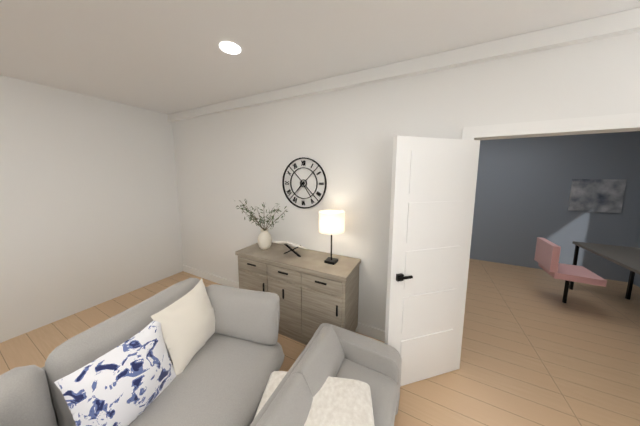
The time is h=7 m=24
